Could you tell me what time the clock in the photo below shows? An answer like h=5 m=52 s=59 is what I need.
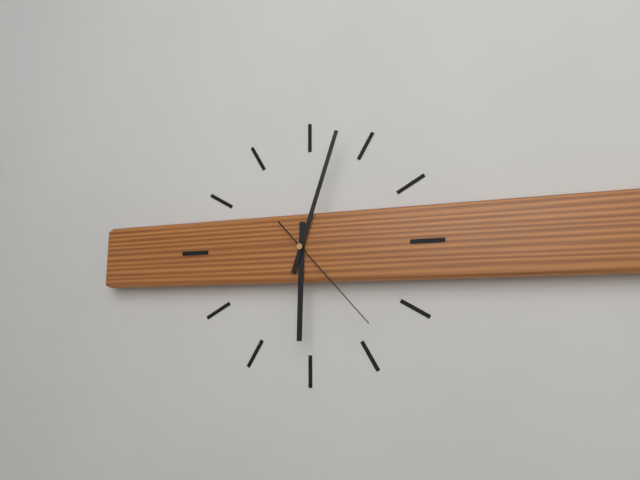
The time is h=6 m=3 s=23
